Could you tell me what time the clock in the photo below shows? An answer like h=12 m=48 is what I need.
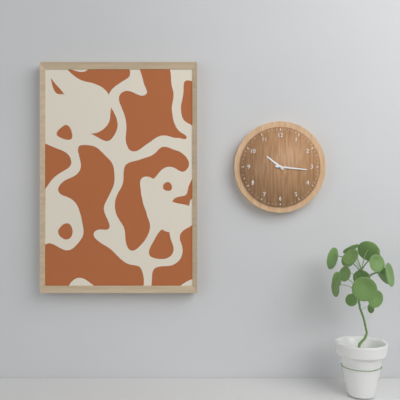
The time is h=10 m=16
